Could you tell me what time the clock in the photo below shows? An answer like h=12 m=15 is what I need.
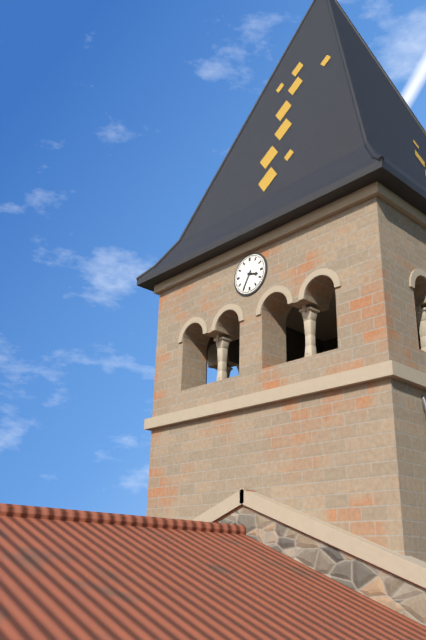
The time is h=3 m=35
